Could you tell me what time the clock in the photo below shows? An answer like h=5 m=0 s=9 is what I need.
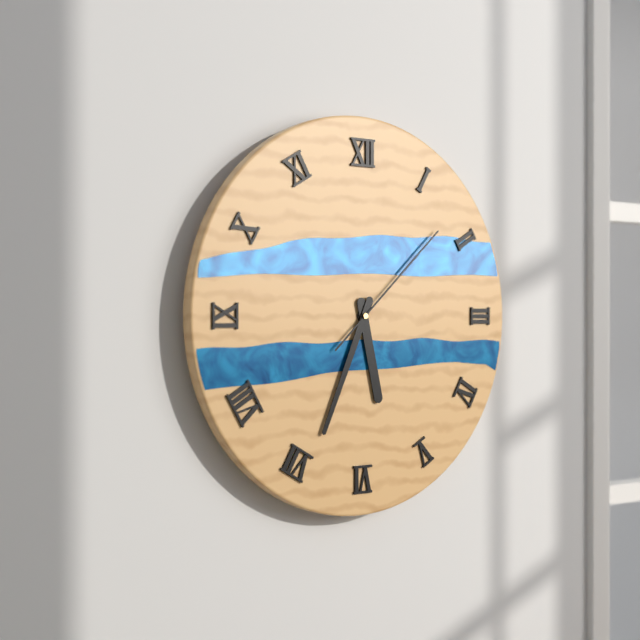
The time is h=5 m=34 s=8
